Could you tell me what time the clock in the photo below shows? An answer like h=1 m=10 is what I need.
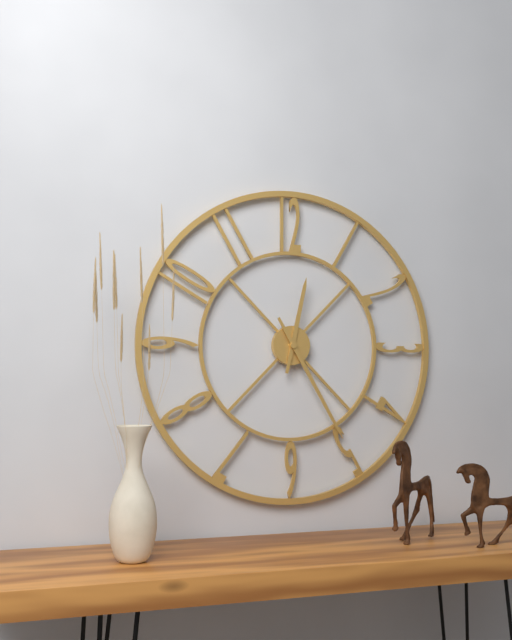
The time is h=12 m=25
